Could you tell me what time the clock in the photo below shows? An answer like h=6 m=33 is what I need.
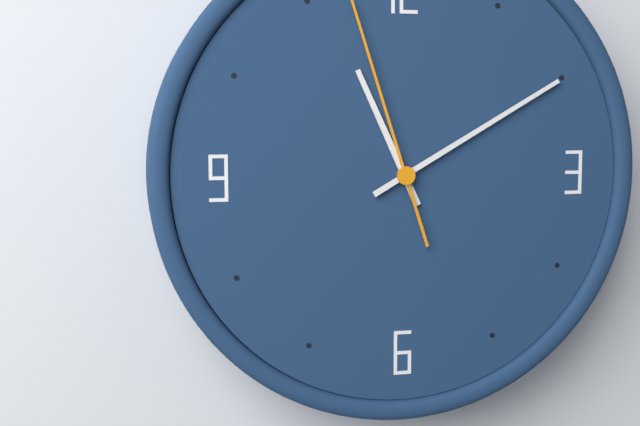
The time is h=11 m=10
